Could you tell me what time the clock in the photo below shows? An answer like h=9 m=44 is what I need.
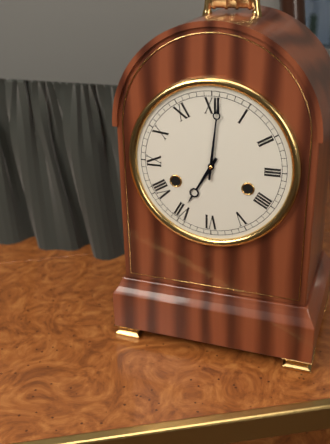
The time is h=7 m=1
